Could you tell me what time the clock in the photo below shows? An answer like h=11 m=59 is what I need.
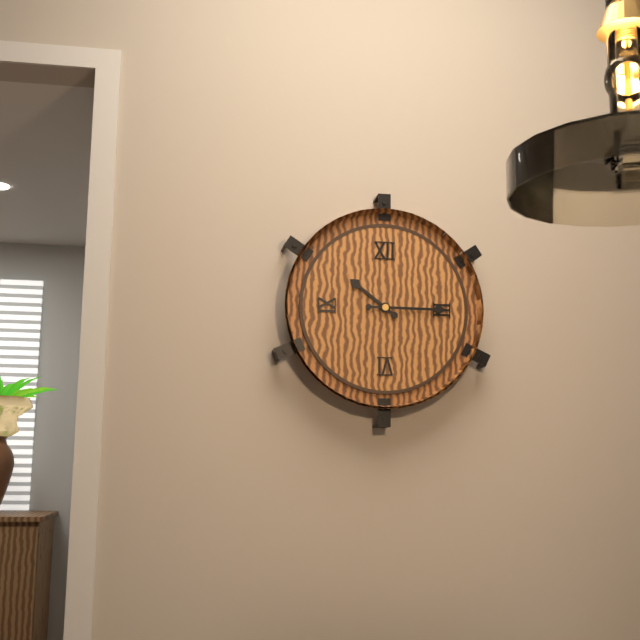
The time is h=10 m=15
